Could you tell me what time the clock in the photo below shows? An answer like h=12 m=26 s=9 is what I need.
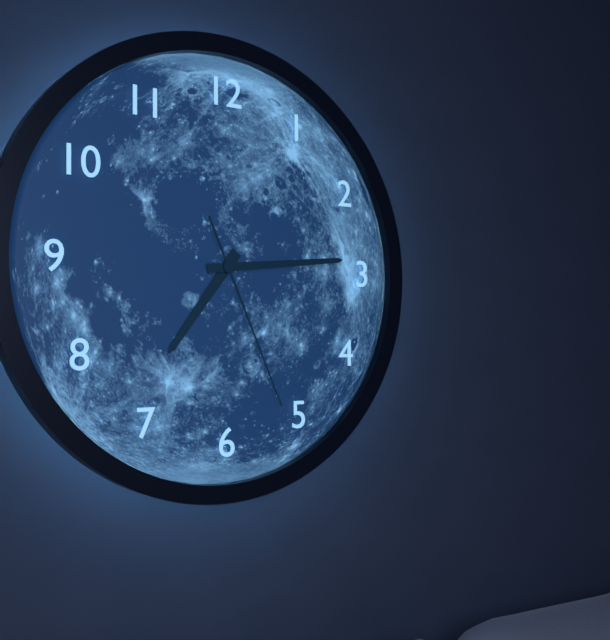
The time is h=7 m=14 s=26
